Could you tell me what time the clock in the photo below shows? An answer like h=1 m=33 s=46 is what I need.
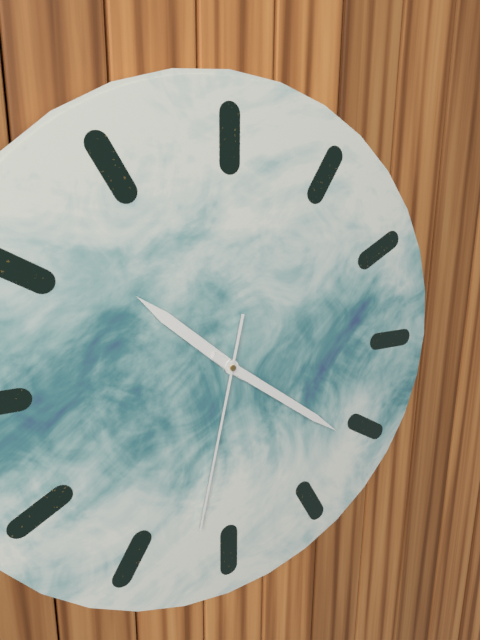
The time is h=10 m=21 s=32
